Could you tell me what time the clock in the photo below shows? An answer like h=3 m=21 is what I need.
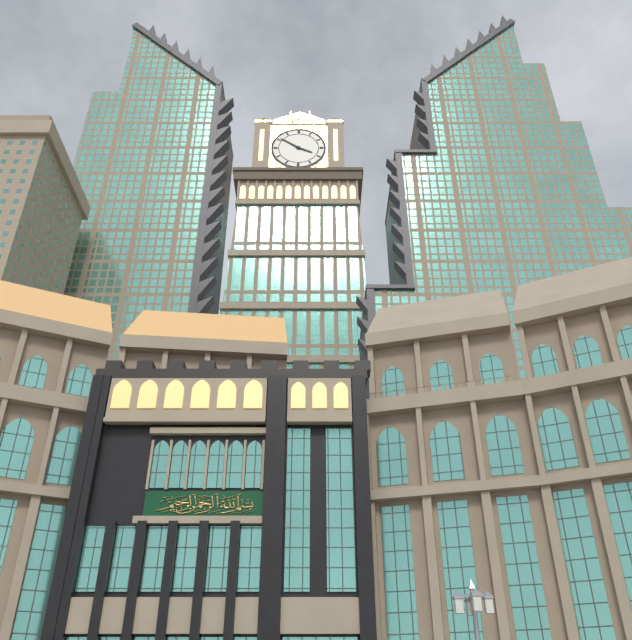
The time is h=3 m=51
